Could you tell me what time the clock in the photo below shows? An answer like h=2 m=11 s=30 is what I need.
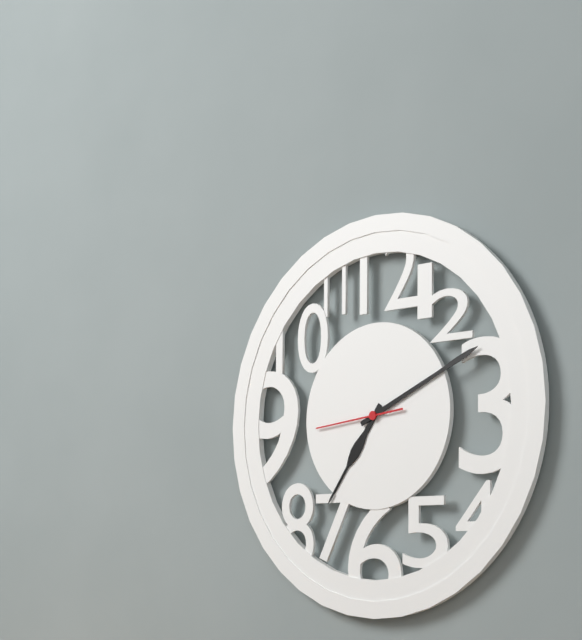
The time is h=7 m=11 s=44
